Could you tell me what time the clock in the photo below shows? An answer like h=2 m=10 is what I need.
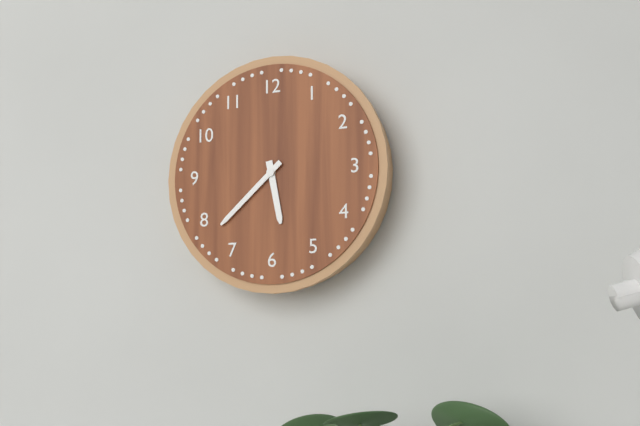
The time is h=5 m=38
